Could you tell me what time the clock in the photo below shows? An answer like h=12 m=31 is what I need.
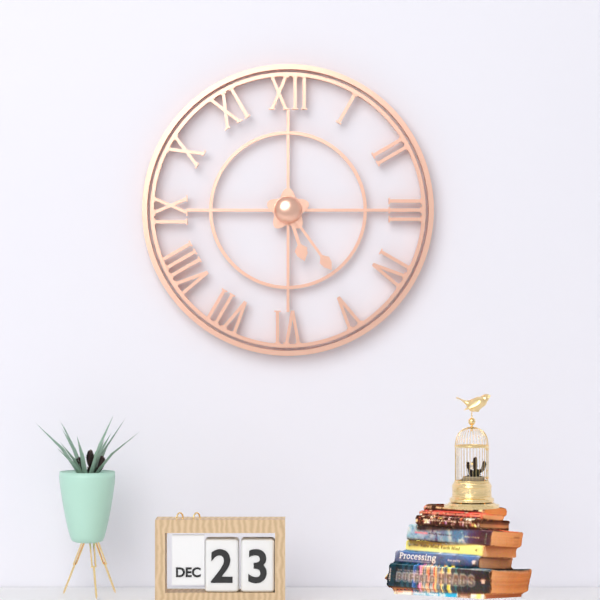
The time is h=5 m=24
